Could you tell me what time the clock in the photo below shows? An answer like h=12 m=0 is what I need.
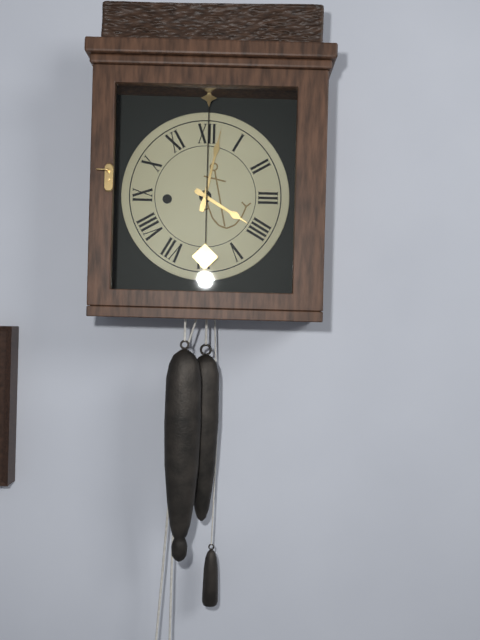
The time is h=4 m=2
